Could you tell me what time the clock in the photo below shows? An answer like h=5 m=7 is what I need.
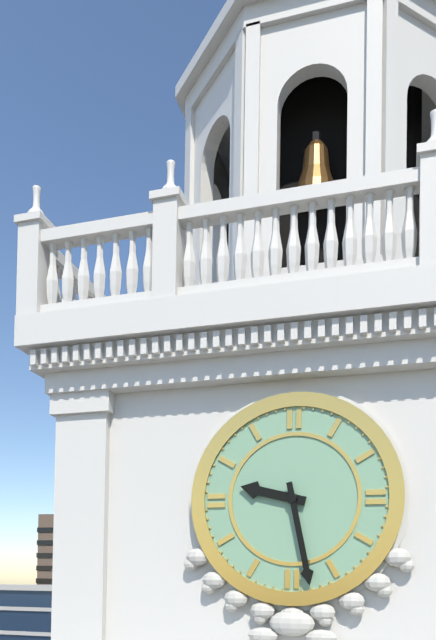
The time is h=9 m=28
